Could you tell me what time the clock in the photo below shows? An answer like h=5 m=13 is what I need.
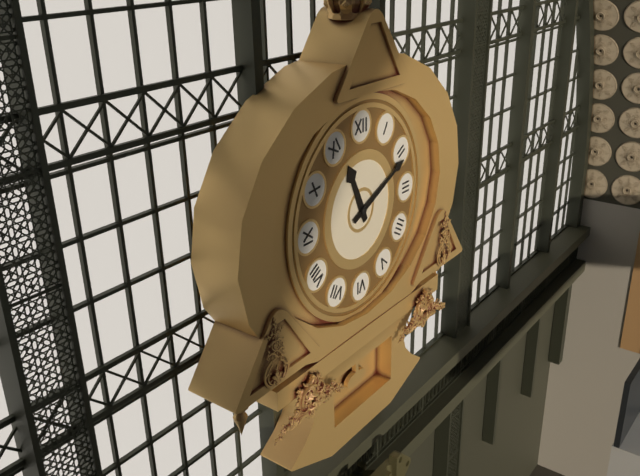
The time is h=11 m=11
